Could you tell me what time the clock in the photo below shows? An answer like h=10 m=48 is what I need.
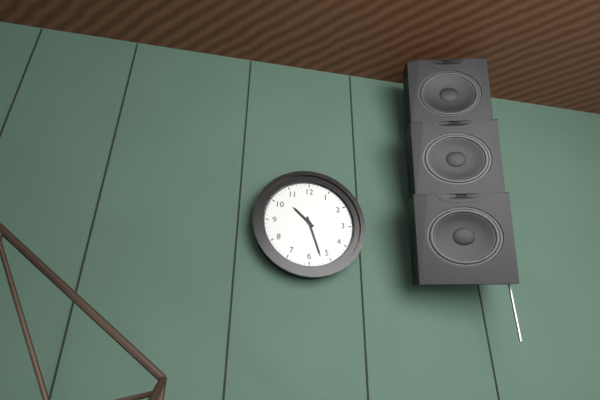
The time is h=10 m=27
